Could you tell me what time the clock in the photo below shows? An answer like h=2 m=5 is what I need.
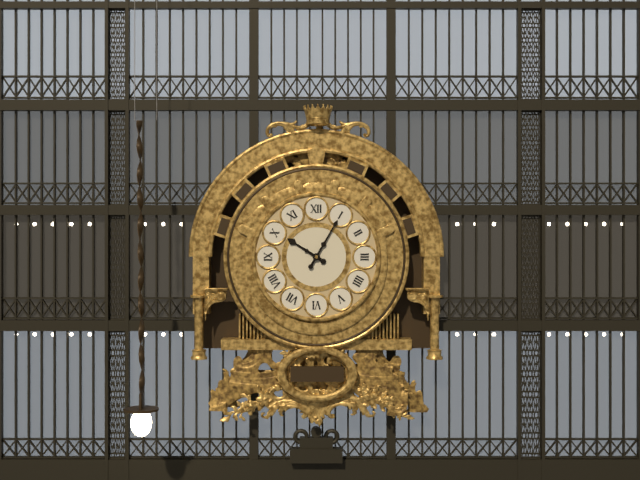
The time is h=10 m=5
